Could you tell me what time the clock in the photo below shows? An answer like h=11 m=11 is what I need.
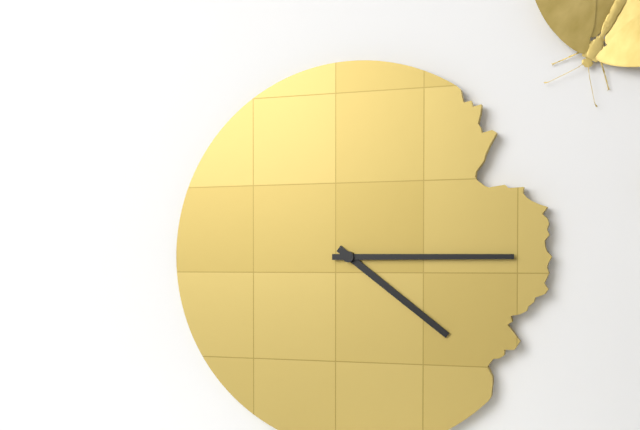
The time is h=4 m=15
